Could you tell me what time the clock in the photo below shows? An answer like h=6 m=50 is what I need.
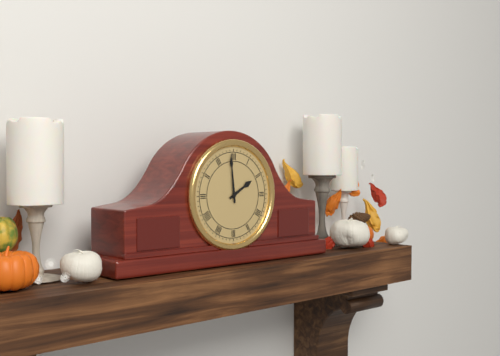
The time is h=1 m=59
